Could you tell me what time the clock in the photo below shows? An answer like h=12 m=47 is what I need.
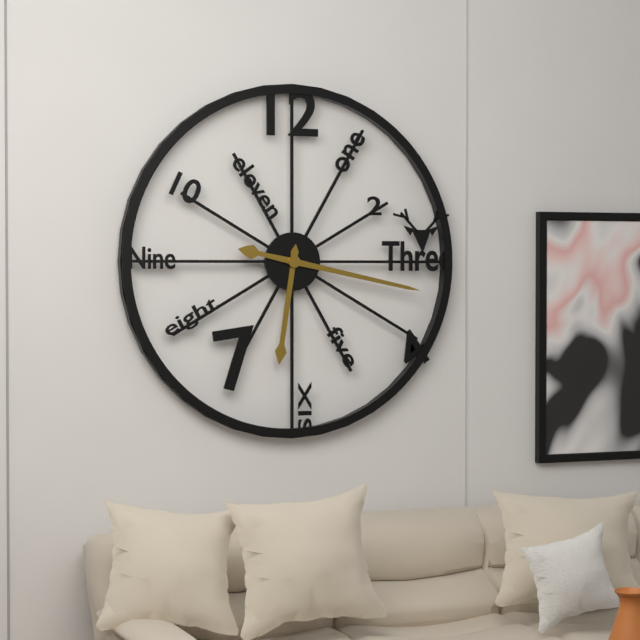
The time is h=6 m=17
